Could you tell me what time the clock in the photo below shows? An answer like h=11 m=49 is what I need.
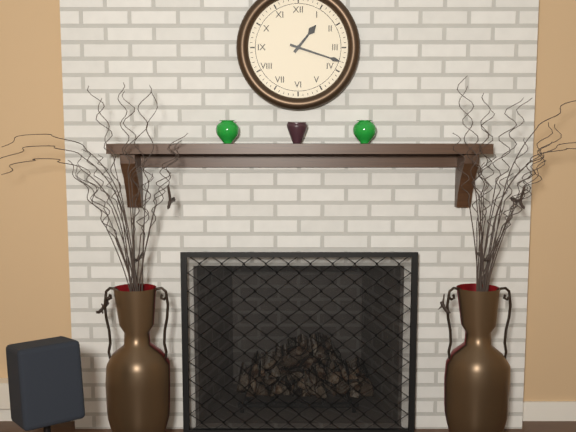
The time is h=1 m=18
